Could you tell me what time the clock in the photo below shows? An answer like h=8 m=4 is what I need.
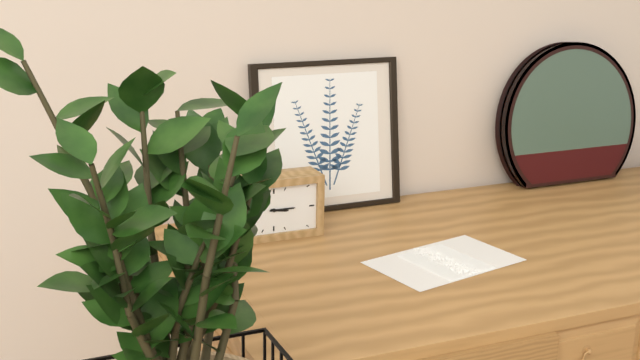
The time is h=3 m=15
